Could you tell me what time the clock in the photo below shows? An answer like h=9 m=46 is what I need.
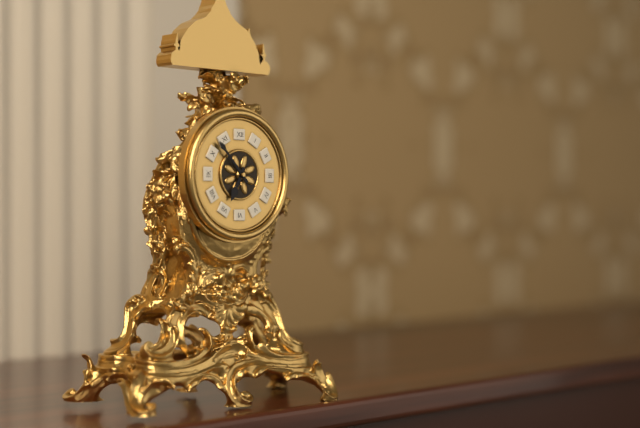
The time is h=6 m=53
